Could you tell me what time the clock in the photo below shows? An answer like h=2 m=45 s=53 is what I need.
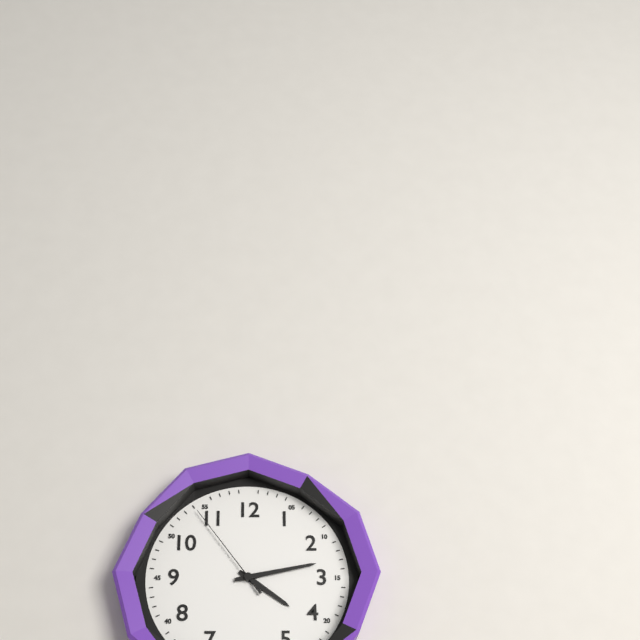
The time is h=4 m=13 s=54
